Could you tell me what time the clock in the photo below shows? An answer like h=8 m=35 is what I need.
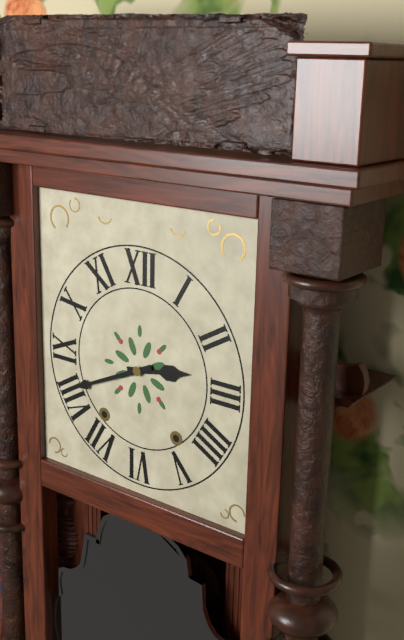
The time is h=2 m=41
